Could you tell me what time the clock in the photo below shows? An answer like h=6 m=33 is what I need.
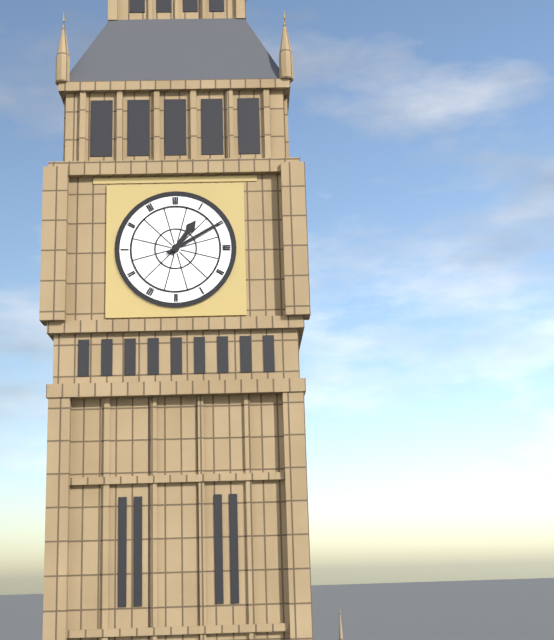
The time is h=1 m=10
